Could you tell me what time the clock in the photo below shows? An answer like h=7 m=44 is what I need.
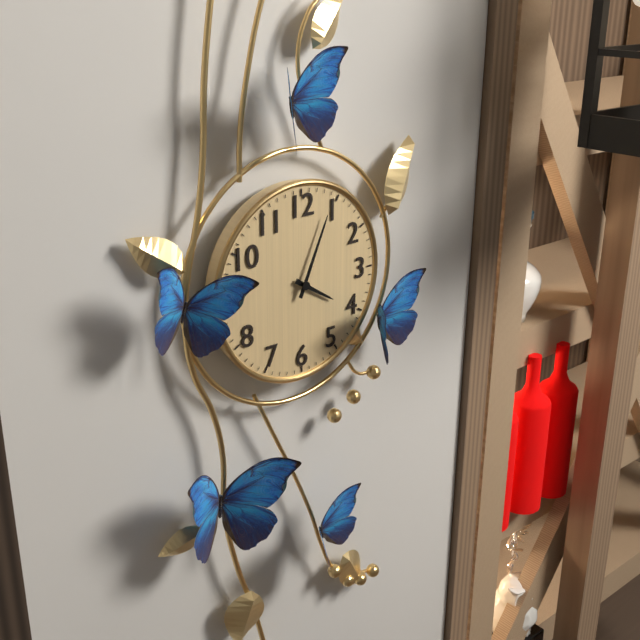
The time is h=4 m=4
